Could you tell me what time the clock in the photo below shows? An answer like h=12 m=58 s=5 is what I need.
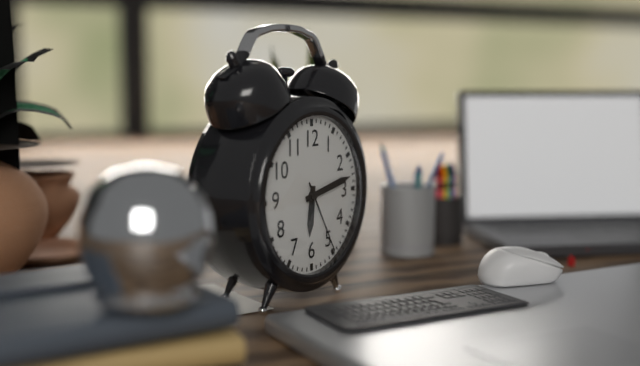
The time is h=6 m=13 s=25
